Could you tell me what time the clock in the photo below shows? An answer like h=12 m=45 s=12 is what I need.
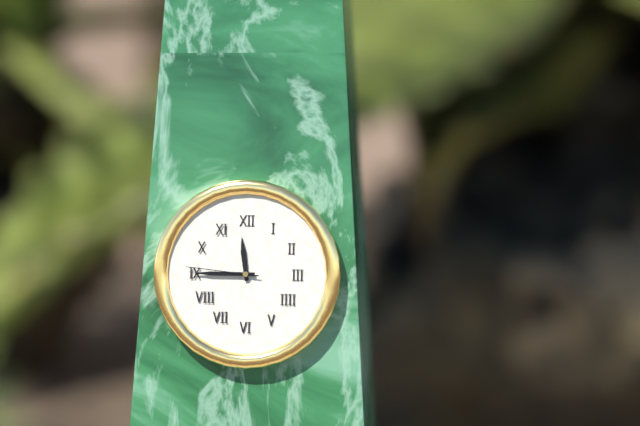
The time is h=11 m=45 s=46
